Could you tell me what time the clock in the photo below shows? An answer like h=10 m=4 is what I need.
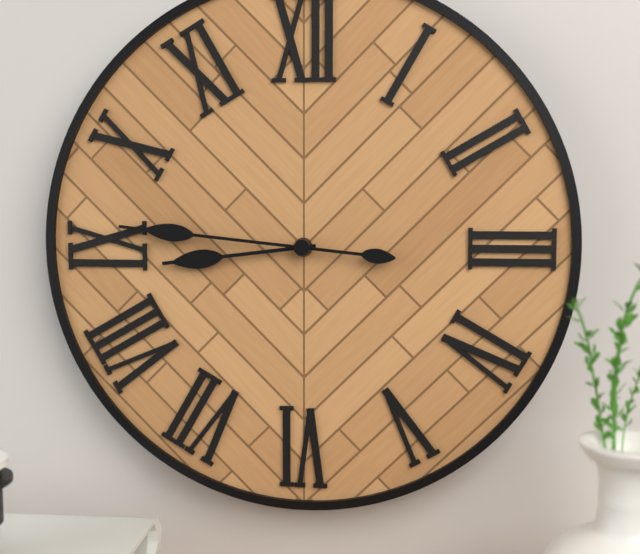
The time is h=8 m=46
